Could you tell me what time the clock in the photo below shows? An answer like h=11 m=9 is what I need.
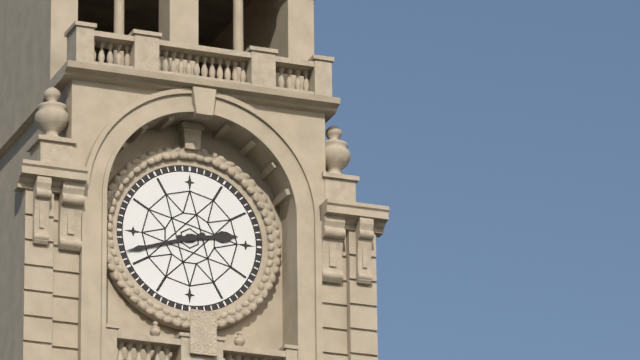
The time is h=2 m=42
